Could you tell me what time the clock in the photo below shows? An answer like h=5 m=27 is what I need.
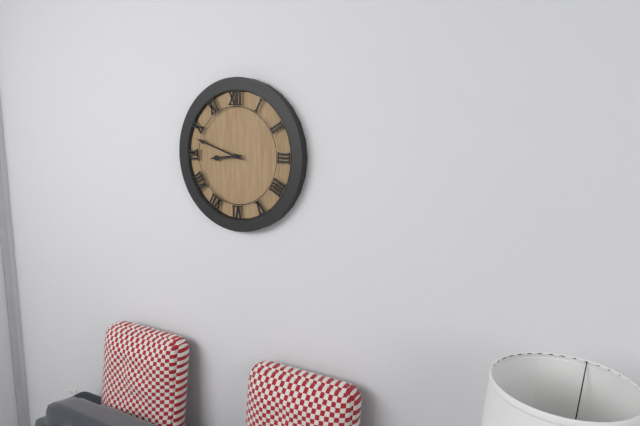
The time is h=8 m=48
